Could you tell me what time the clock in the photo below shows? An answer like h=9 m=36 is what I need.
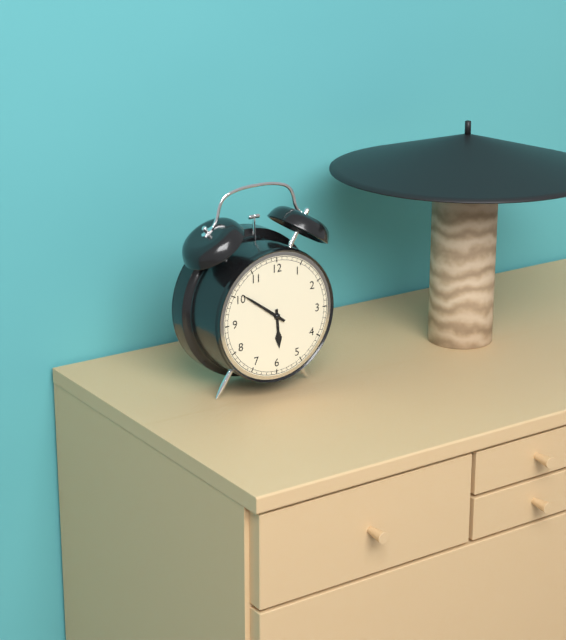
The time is h=5 m=51
